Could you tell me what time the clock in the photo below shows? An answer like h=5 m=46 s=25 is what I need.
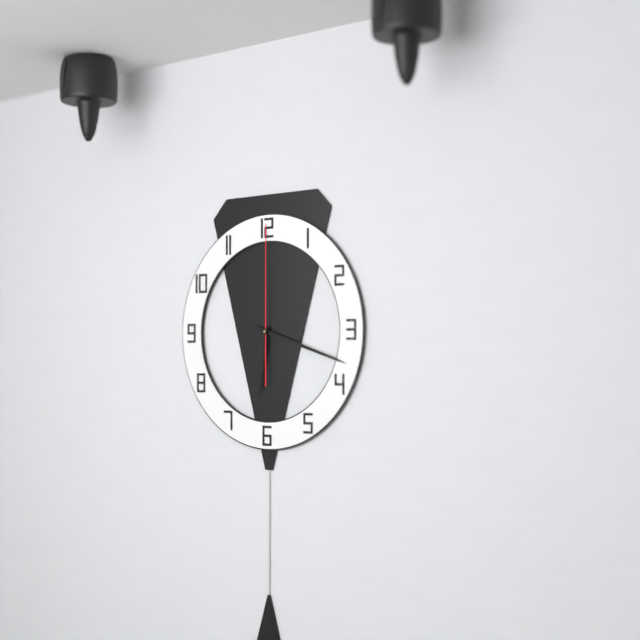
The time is h=6 m=18 s=0
